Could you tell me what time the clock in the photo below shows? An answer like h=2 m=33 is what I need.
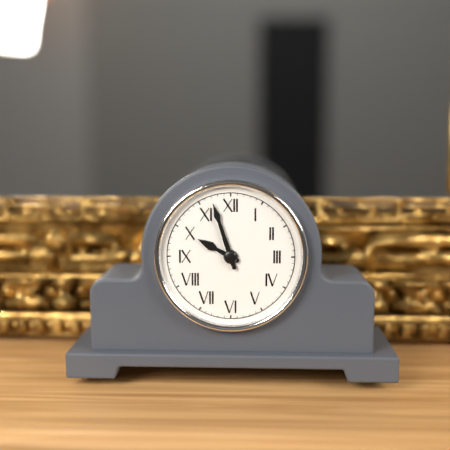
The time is h=9 m=57
